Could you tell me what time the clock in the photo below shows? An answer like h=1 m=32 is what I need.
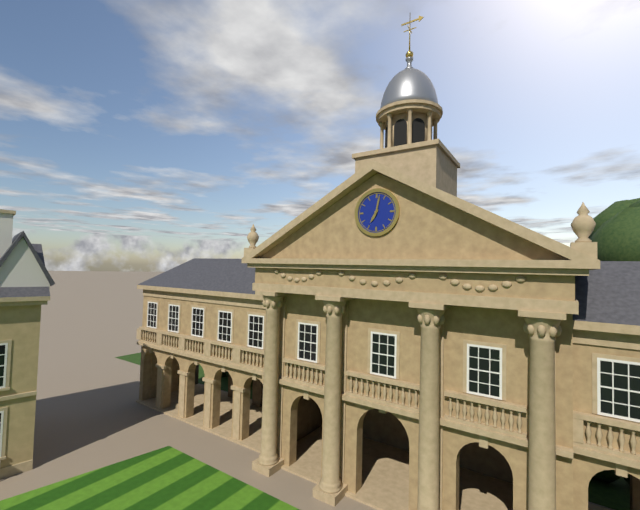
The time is h=7 m=2
